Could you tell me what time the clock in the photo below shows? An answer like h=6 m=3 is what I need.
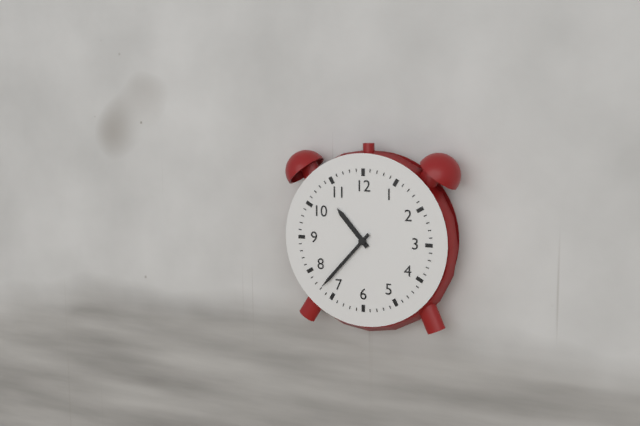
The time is h=10 m=37
